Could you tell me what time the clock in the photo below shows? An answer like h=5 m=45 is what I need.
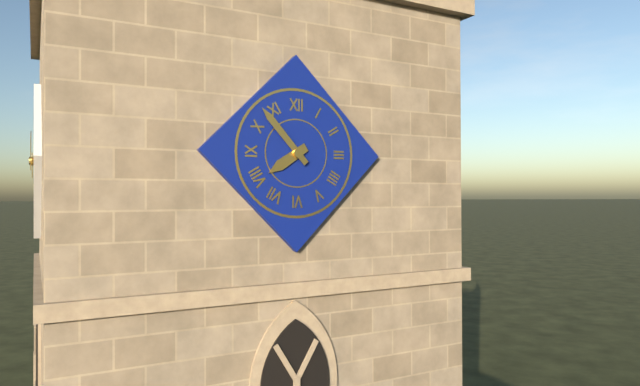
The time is h=7 m=53
